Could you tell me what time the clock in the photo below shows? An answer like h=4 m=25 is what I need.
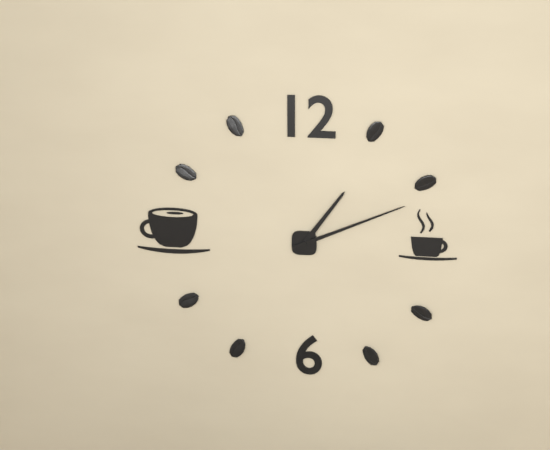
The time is h=1 m=11
